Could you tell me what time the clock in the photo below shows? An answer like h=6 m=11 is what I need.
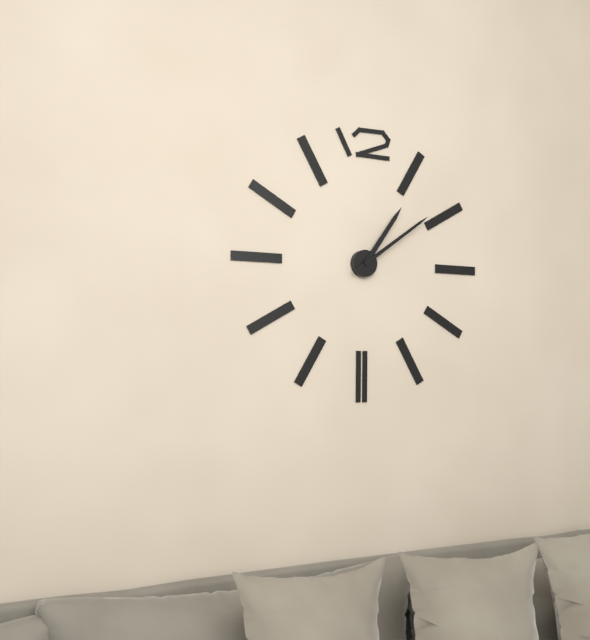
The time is h=1 m=9
